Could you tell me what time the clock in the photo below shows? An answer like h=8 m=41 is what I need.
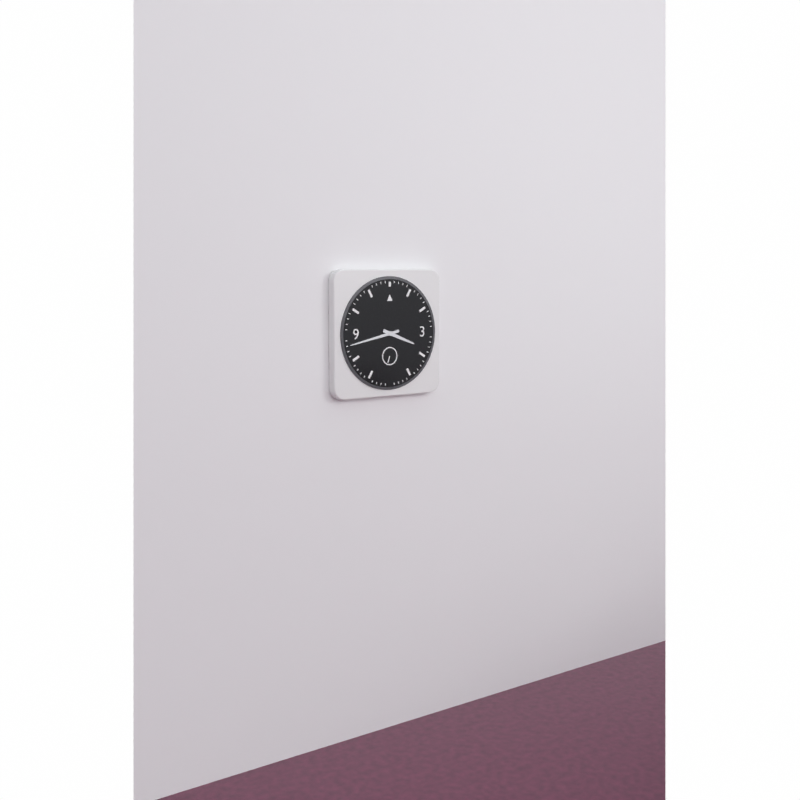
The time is h=3 m=43
